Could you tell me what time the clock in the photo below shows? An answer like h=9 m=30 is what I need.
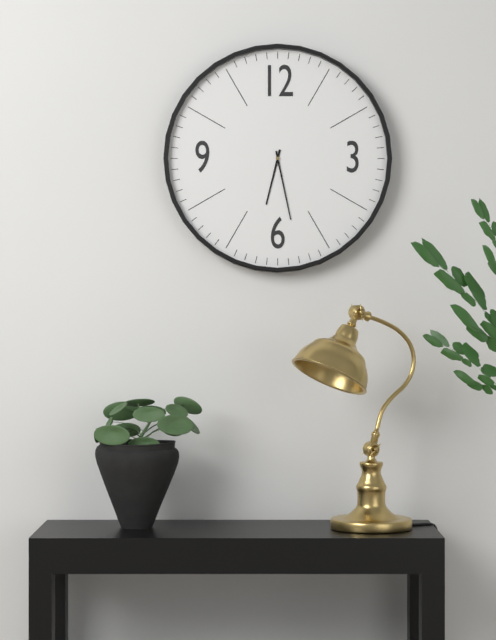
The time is h=6 m=28
